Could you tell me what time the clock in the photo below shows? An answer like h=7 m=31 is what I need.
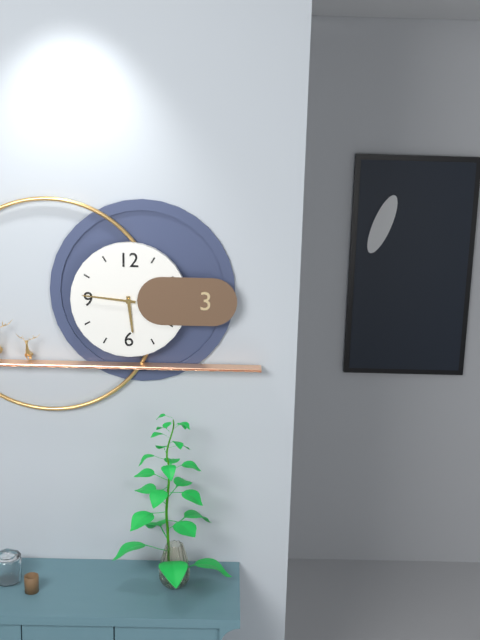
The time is h=5 m=46
